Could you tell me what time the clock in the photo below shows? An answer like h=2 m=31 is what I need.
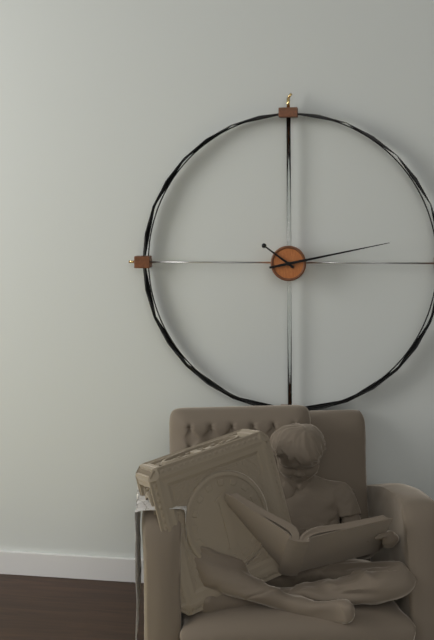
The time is h=10 m=13
